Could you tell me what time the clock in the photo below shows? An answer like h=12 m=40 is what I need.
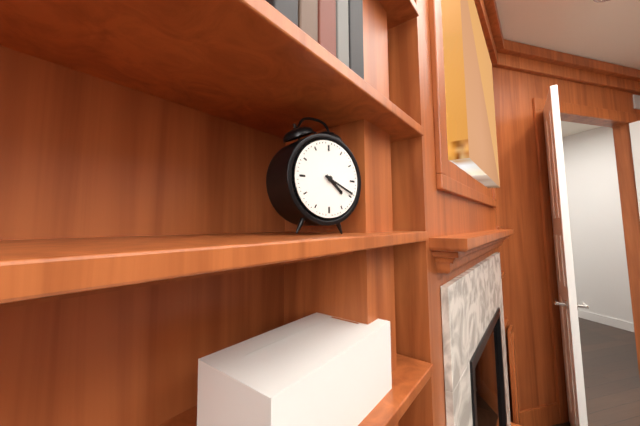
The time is h=4 m=19
